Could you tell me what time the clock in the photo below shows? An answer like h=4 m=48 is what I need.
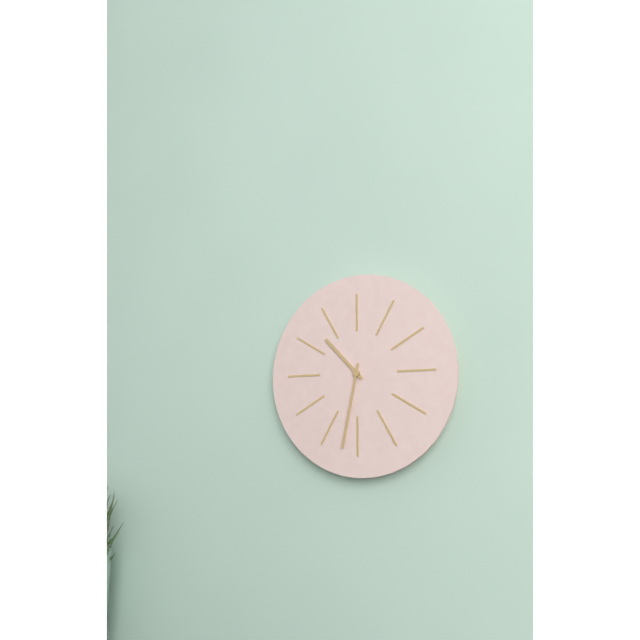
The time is h=10 m=32
